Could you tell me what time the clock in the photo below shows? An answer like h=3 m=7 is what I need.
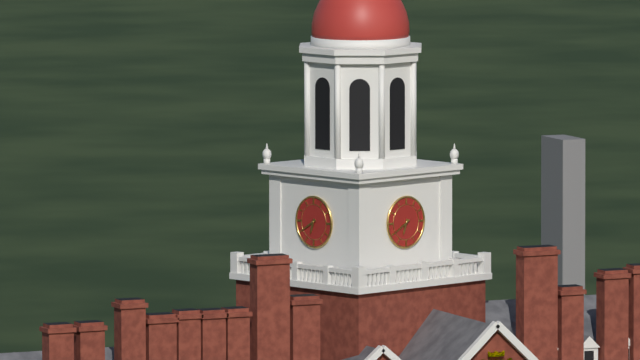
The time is h=6 m=40
